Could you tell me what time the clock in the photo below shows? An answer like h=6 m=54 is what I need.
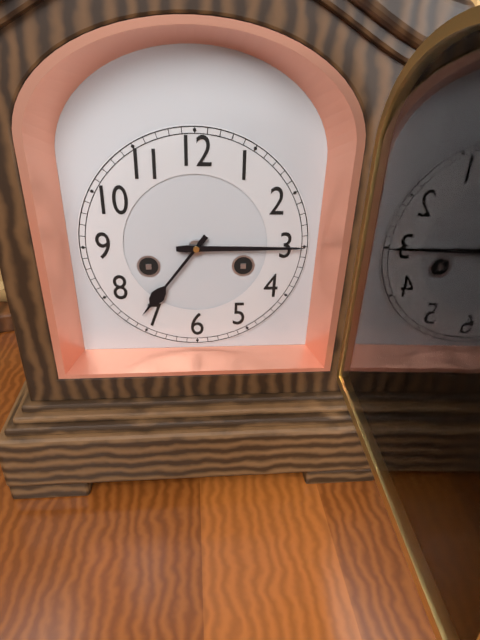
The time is h=7 m=15
